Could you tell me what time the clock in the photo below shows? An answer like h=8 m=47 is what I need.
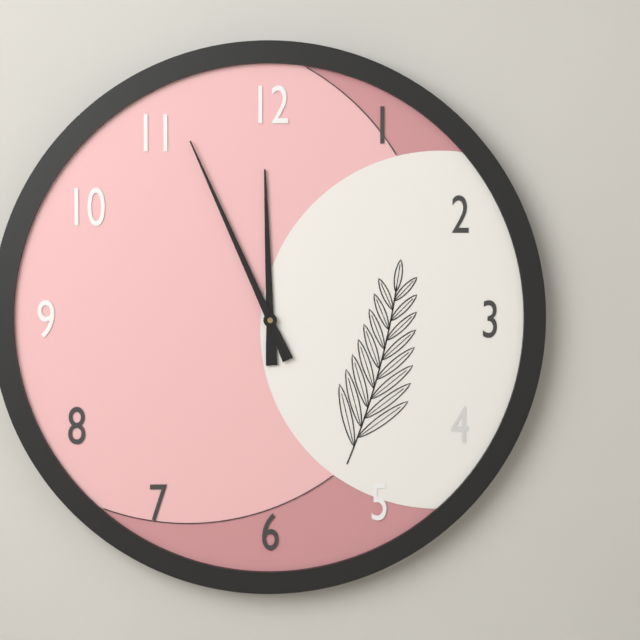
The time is h=11 m=56
